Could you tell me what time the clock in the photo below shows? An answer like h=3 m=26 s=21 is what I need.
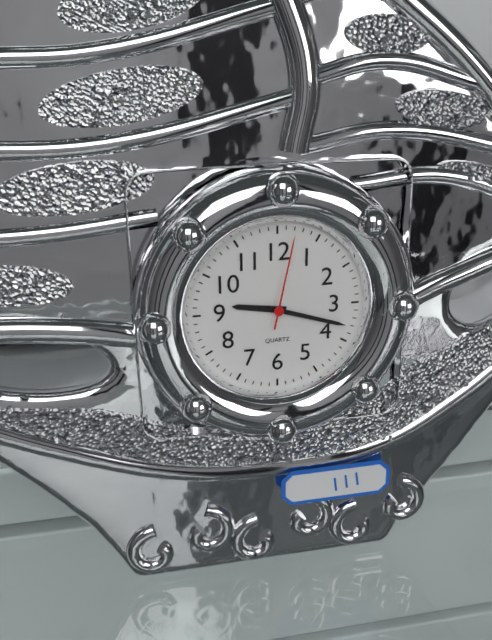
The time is h=9 m=18 s=2
